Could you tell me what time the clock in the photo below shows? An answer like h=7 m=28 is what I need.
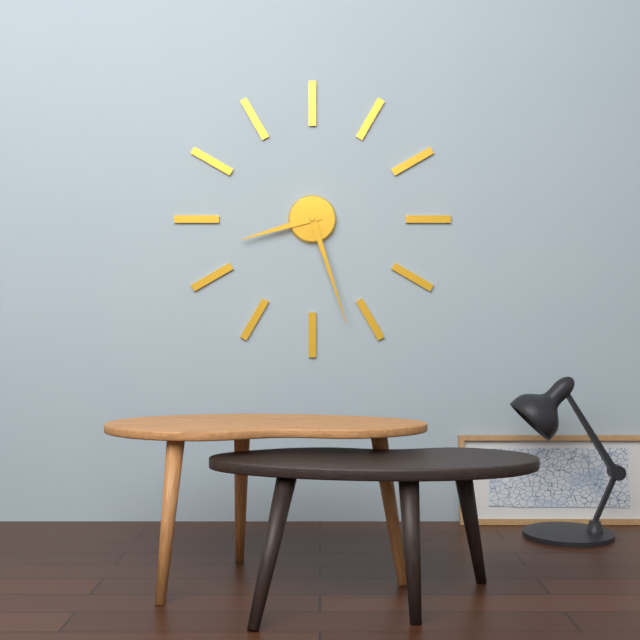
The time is h=8 m=27
